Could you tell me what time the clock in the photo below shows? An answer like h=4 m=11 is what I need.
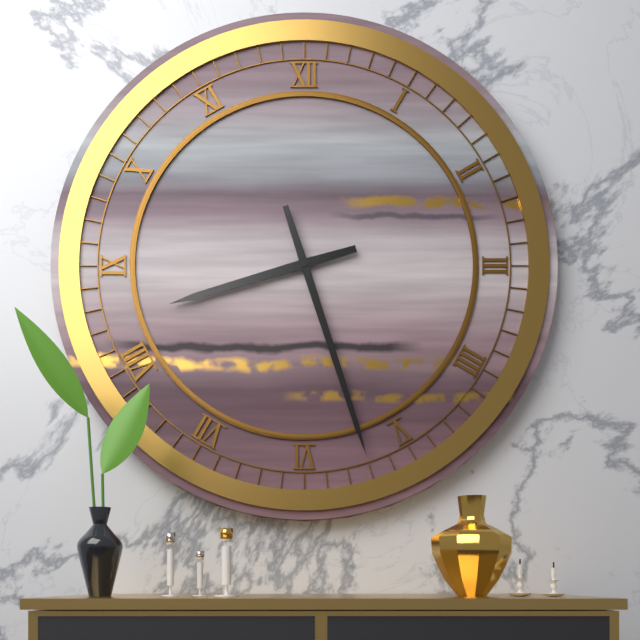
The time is h=8 m=27
